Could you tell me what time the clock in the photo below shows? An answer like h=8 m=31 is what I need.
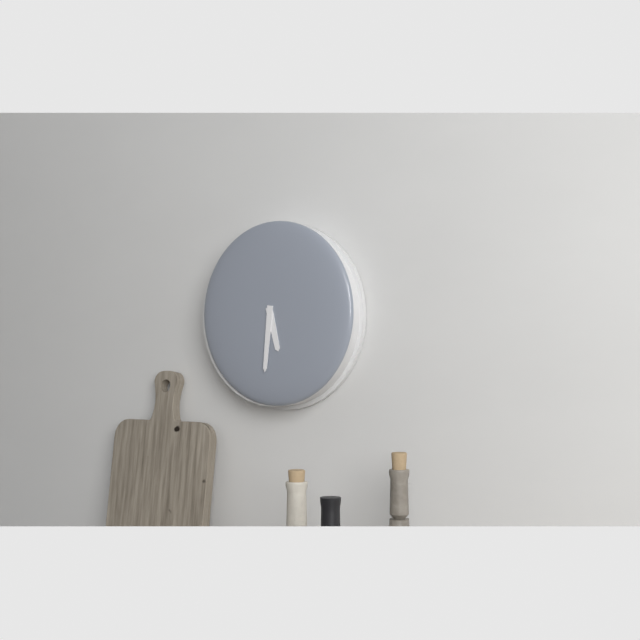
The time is h=5 m=31
